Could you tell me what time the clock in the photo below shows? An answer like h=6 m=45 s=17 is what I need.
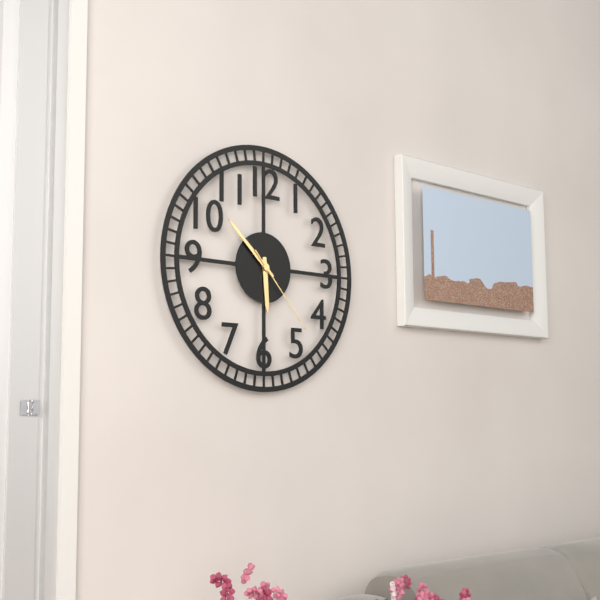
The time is h=5 m=52 s=23
